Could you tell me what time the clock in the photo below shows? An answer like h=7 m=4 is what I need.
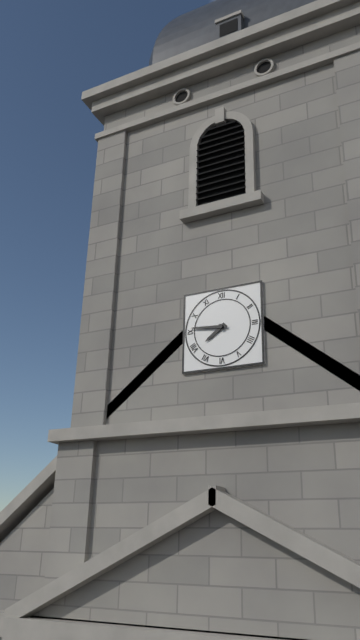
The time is h=7 m=46
